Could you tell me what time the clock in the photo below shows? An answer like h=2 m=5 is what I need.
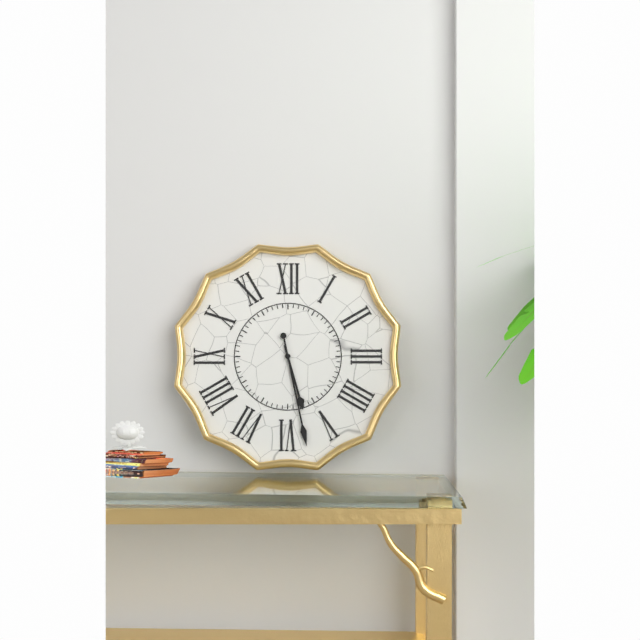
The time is h=5 m=28
